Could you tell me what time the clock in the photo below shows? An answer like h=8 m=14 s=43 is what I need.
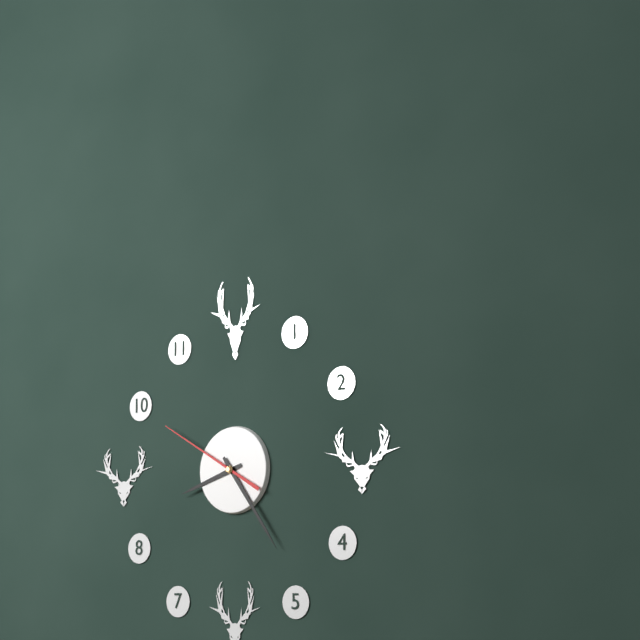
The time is h=8 m=24 s=50
